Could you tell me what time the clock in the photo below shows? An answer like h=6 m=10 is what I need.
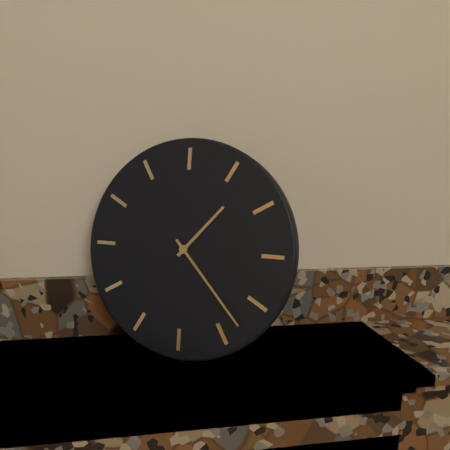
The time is h=1 m=23
